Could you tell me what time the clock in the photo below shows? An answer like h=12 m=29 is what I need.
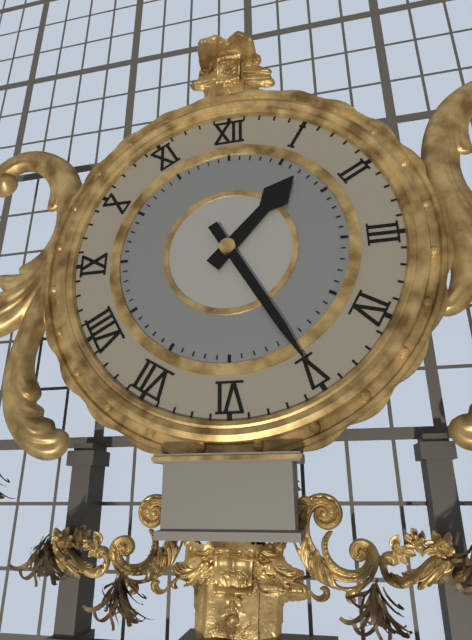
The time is h=1 m=25
